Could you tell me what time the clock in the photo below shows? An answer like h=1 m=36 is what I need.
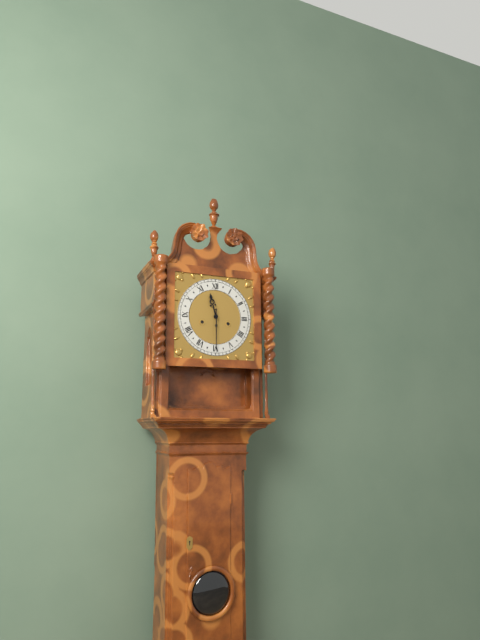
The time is h=11 m=30
